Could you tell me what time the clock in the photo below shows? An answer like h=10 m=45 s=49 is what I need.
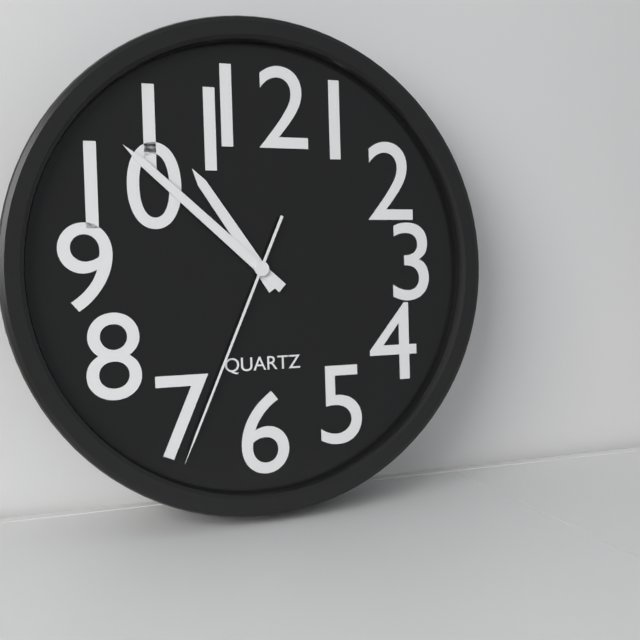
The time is h=10 m=52 s=34
